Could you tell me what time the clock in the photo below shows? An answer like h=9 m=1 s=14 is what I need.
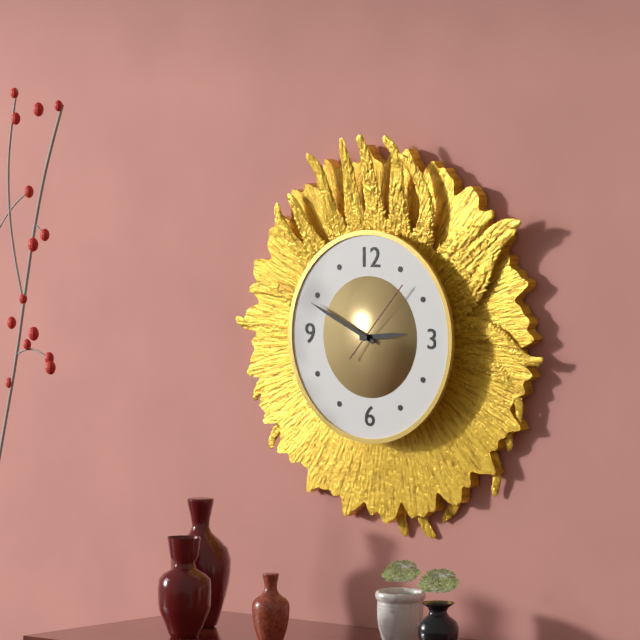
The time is h=2 m=49 s=7
